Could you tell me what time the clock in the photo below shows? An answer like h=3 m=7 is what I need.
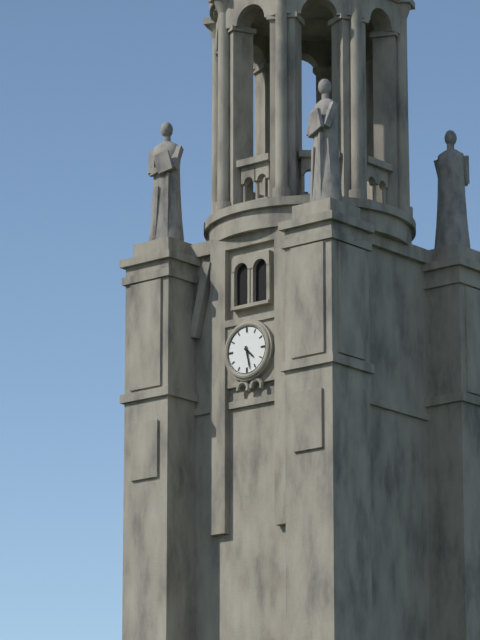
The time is h=4 m=28
